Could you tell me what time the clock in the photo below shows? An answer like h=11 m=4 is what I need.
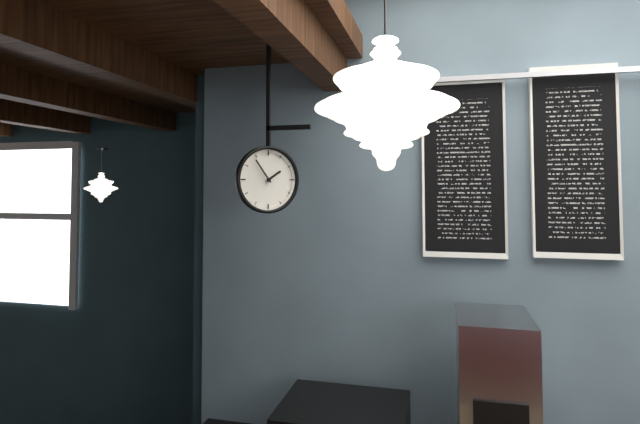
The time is h=1 m=54
